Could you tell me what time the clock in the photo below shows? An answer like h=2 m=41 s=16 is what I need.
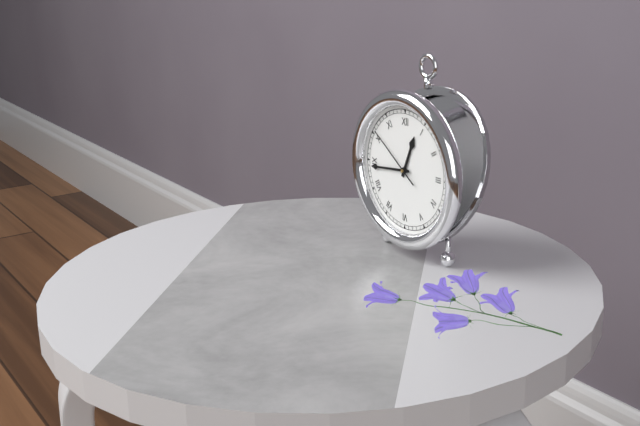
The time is h=12 m=44 s=51
